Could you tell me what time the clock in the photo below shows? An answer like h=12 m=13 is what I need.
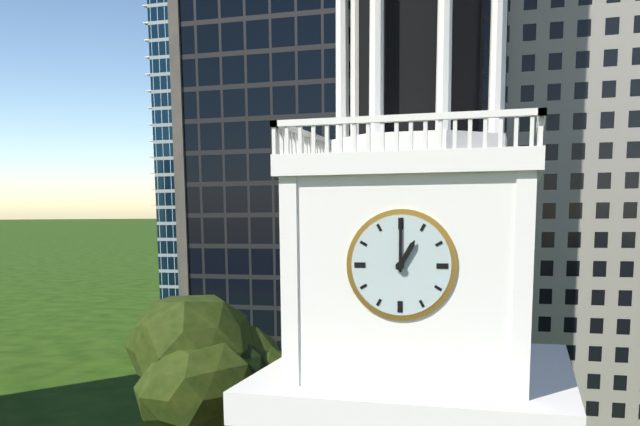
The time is h=1 m=0
